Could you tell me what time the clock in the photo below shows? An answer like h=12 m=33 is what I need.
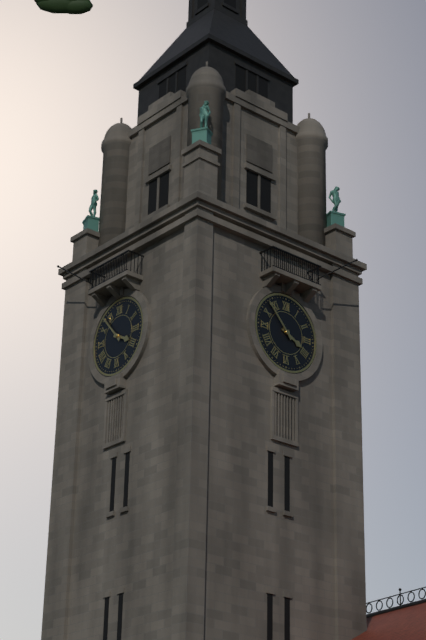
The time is h=3 m=53
